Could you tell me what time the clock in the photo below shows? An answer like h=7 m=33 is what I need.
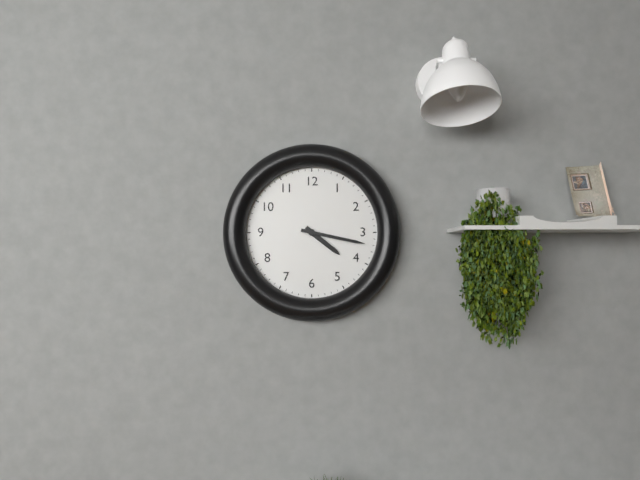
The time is h=4 m=17
